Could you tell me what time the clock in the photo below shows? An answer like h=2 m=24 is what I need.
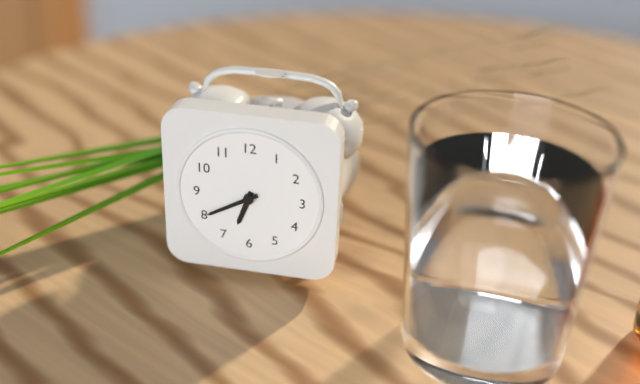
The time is h=6 m=40
